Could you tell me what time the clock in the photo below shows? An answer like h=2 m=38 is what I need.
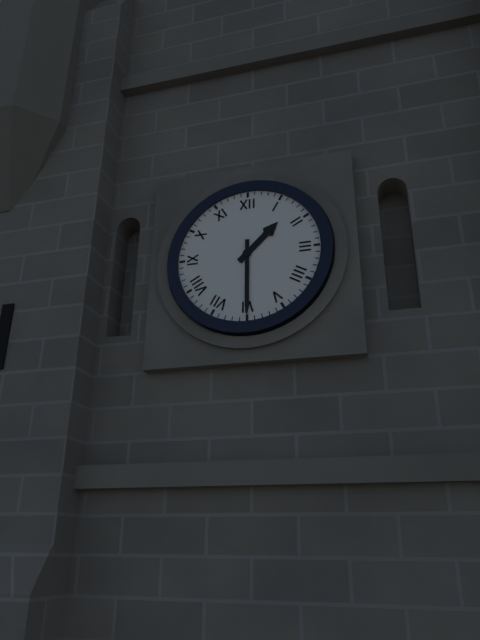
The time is h=1 m=30
